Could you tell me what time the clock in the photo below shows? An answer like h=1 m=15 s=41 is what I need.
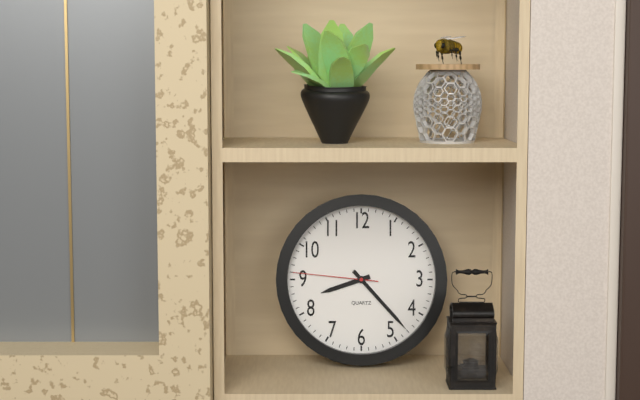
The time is h=8 m=23 s=46
